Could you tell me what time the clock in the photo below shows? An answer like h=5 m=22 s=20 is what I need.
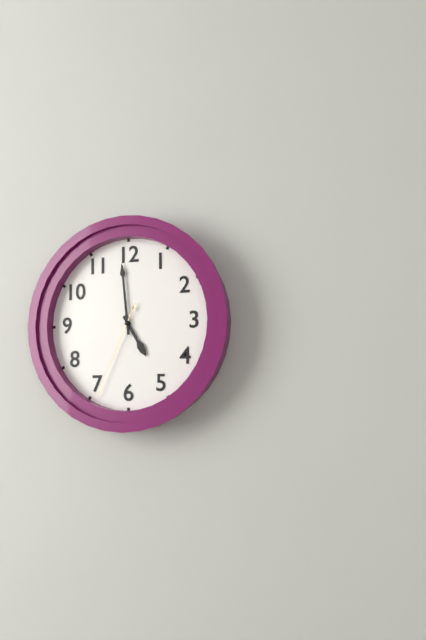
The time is h=4 m=59 s=34
